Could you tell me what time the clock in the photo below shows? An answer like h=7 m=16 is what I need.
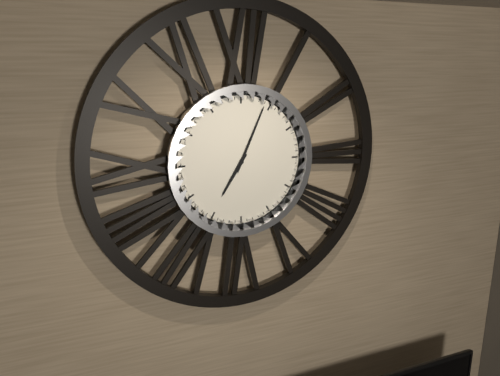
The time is h=7 m=4
